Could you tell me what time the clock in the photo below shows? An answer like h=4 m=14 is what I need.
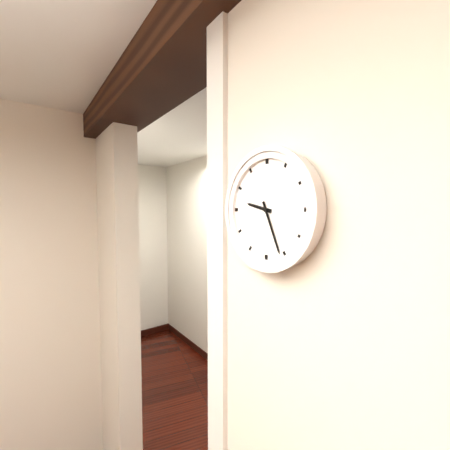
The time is h=9 m=26
